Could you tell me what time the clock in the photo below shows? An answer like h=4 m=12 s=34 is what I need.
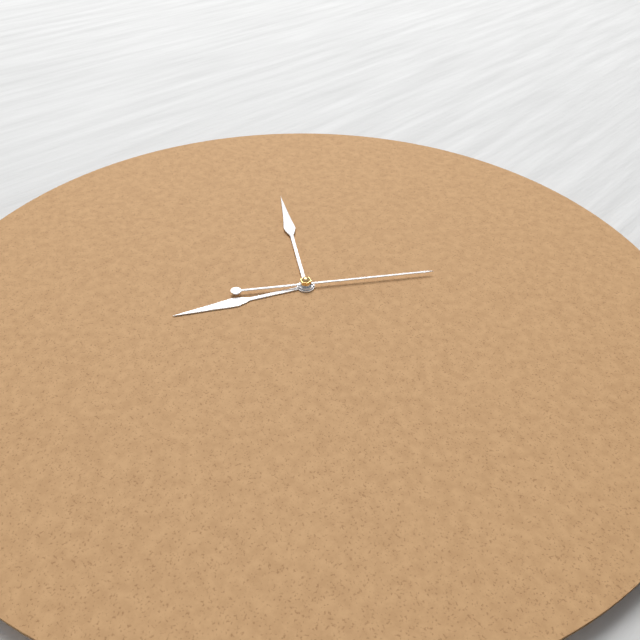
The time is h=6 m=51 s=6
